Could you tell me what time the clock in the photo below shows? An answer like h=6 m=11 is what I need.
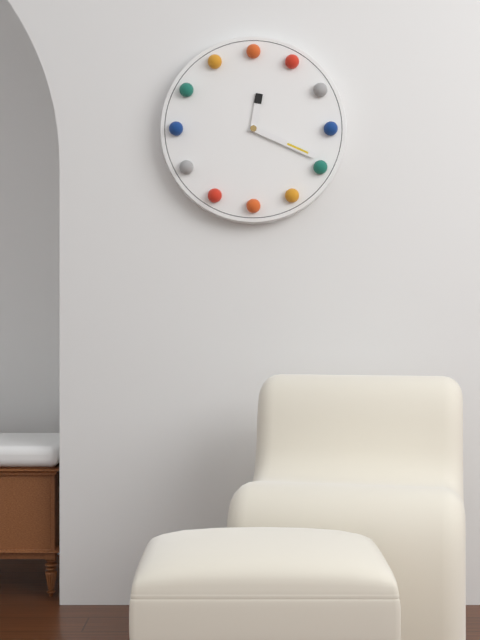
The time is h=12 m=19
